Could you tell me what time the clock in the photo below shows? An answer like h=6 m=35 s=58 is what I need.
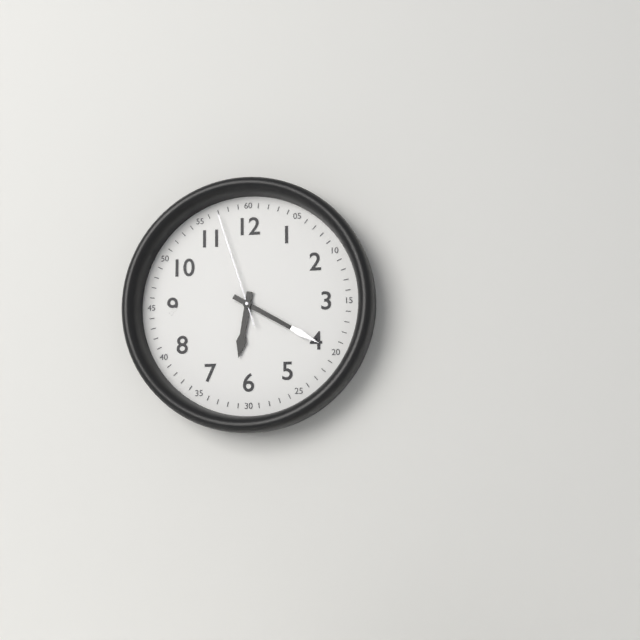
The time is h=6 m=20 s=57
